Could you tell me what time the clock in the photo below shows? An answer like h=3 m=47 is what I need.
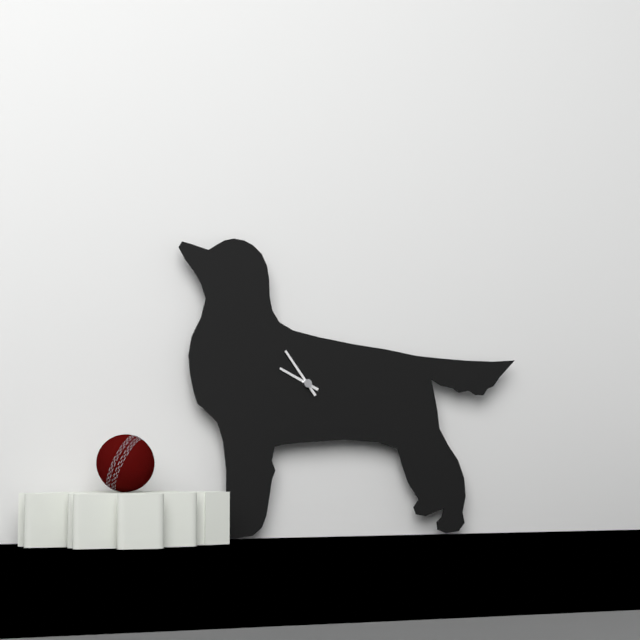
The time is h=9 m=54
